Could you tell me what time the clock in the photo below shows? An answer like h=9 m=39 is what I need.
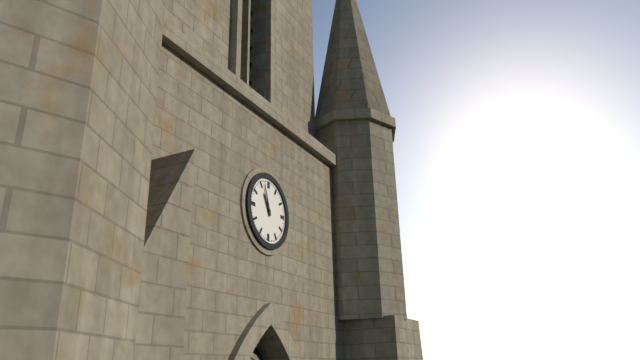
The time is h=10 m=57
